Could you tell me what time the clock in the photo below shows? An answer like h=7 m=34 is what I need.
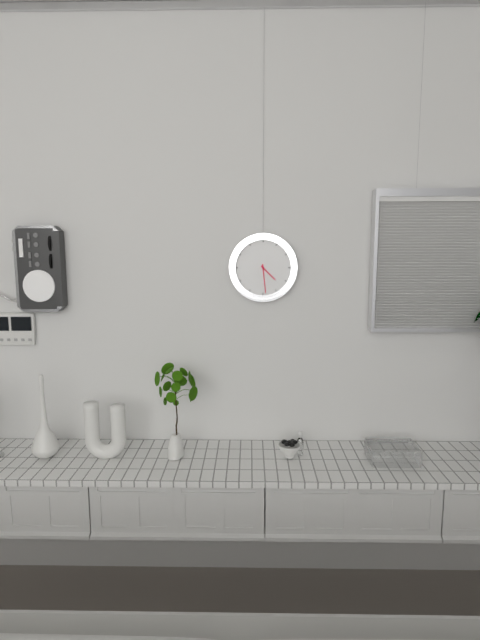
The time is h=4 m=29
